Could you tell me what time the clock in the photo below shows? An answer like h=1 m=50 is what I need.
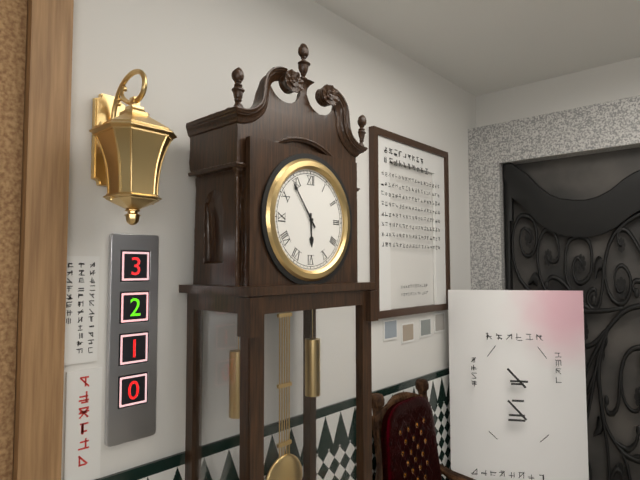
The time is h=5 m=54
